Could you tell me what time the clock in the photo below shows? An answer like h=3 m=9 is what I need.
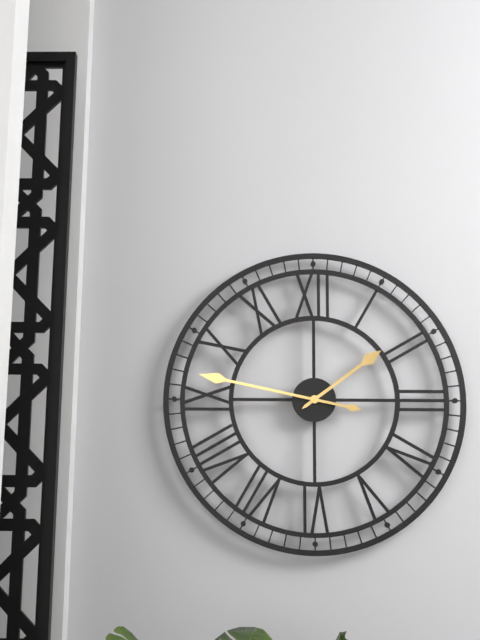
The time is h=1 m=47
